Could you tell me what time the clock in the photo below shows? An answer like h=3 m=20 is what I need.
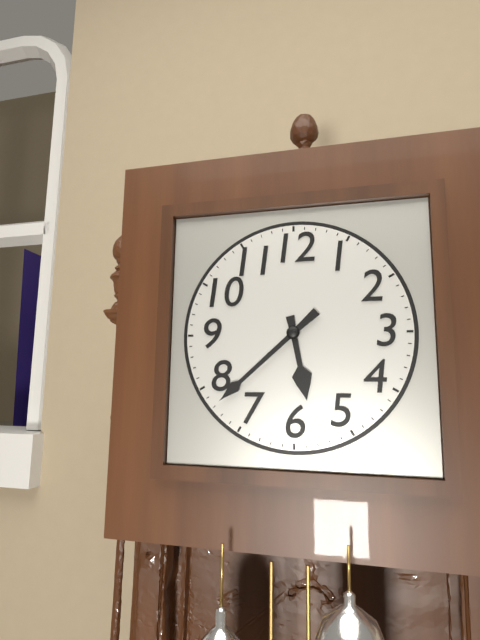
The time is h=5 m=38
